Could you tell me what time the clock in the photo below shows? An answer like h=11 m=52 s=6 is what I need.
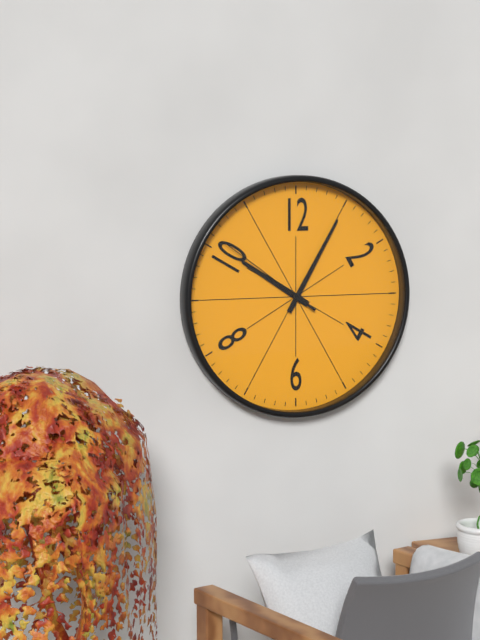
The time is h=10 m=5 s=51
